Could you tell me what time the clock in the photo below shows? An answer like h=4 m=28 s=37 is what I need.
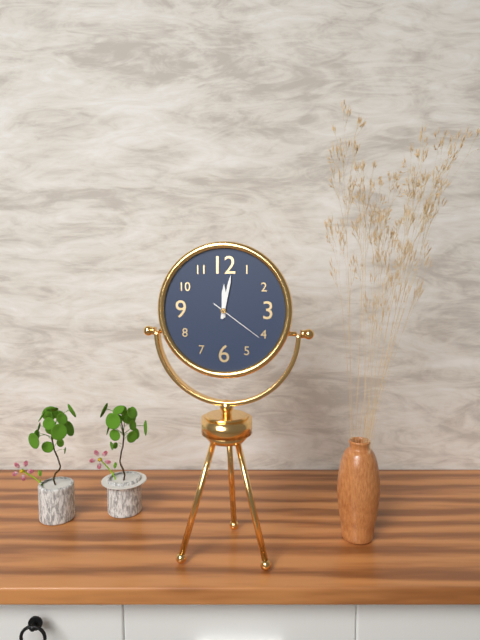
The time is h=12 m=2 s=21
